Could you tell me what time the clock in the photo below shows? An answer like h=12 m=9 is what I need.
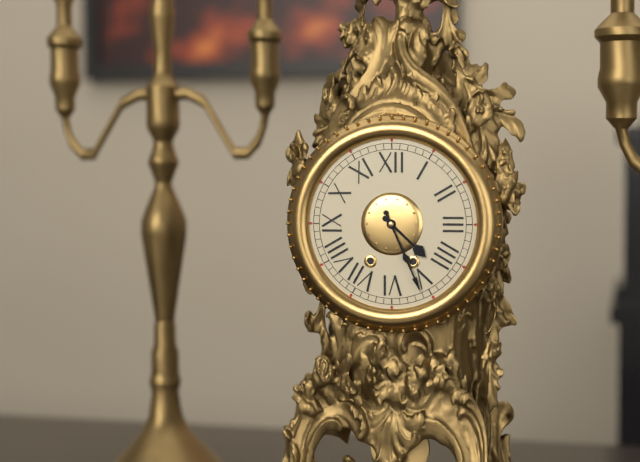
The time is h=4 m=26
